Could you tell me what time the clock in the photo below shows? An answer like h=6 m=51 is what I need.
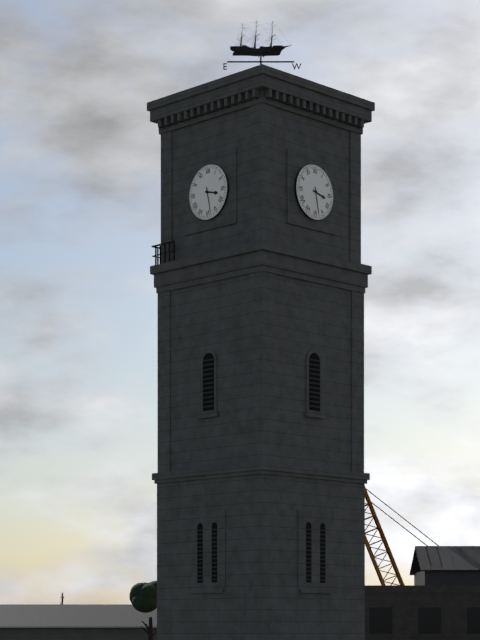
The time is h=3 m=28
